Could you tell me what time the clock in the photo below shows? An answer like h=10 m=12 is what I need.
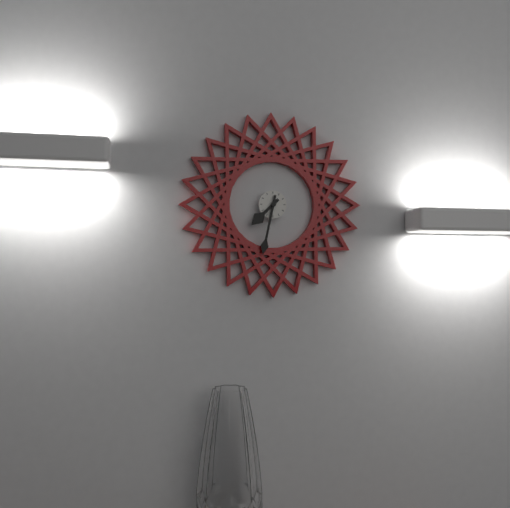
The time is h=7 m=32
